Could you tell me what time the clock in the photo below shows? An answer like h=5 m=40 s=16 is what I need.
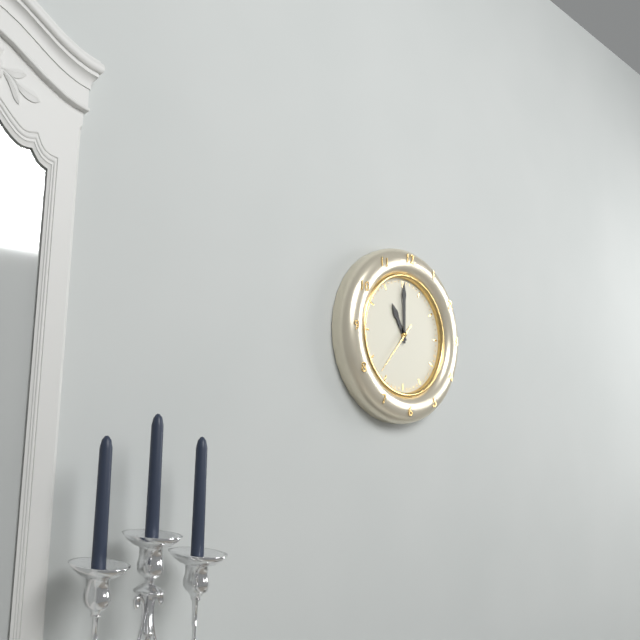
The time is h=11 m=0 s=37
